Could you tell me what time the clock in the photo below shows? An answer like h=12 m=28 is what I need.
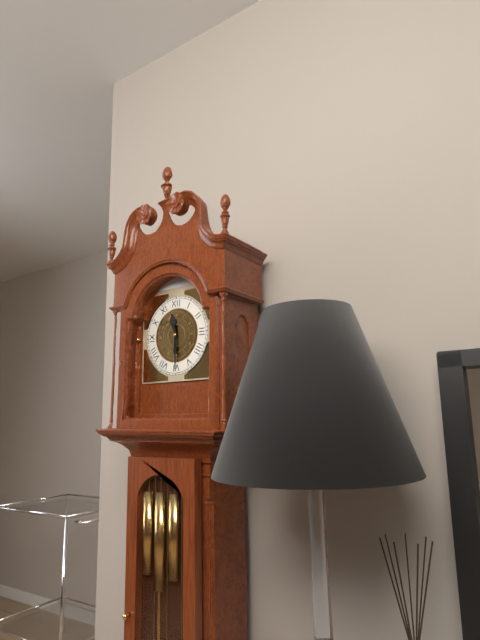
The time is h=11 m=30
